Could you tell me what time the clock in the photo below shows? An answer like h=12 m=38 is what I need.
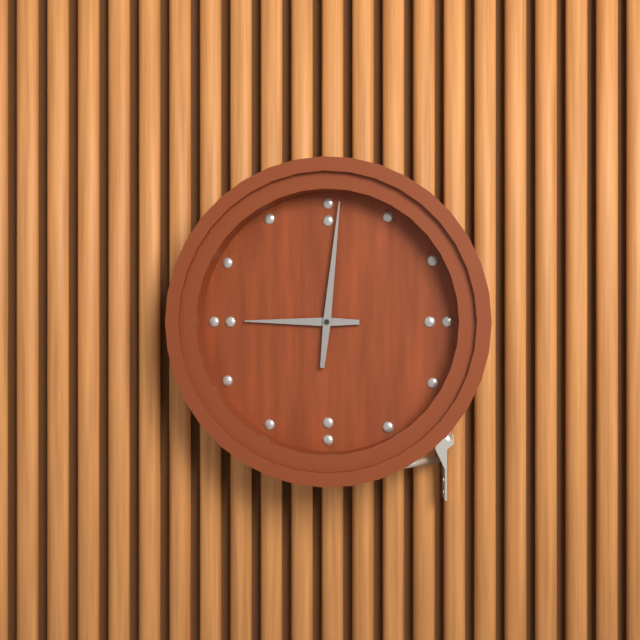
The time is h=9 m=1
